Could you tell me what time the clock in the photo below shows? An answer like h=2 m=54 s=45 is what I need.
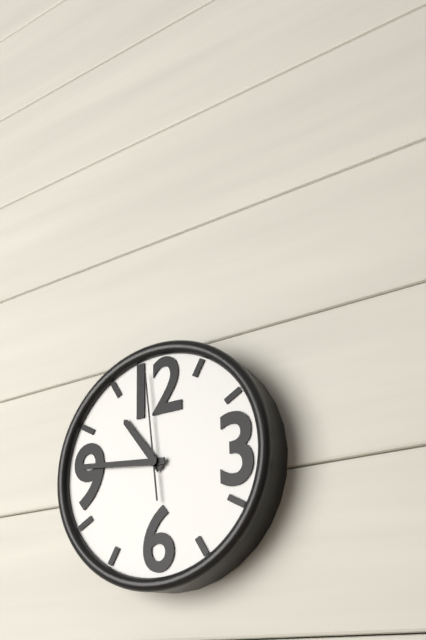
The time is h=10 m=46 s=59
